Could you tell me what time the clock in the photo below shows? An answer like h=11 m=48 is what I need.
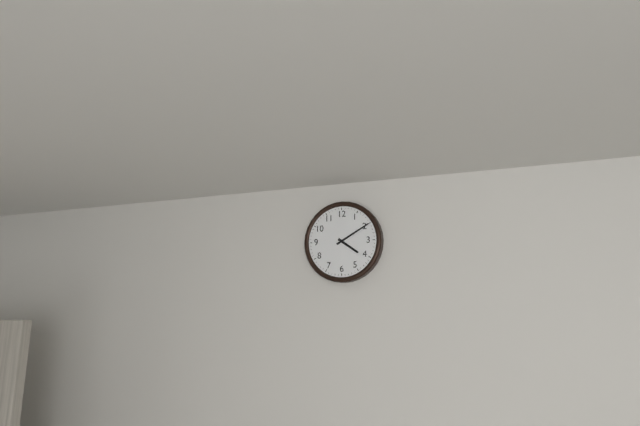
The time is h=4 m=10
